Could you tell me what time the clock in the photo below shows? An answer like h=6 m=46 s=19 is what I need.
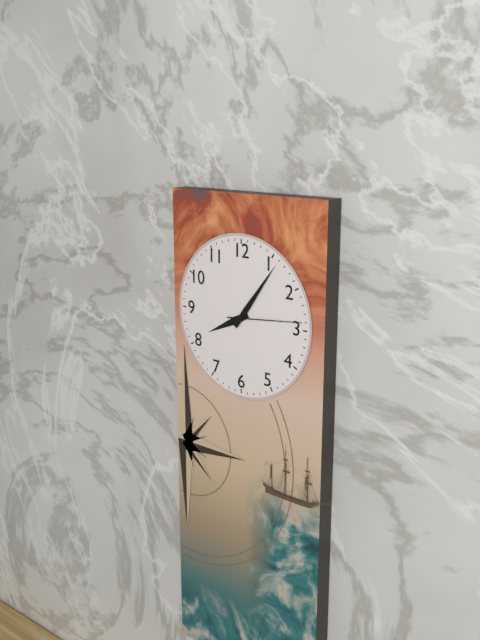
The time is h=8 m=6 s=14
